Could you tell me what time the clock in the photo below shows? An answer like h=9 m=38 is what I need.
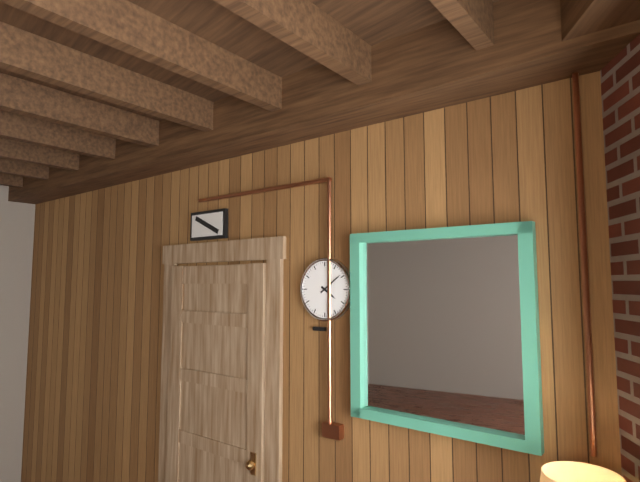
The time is h=4 m=9
